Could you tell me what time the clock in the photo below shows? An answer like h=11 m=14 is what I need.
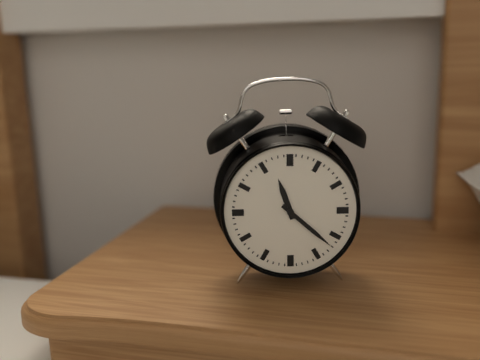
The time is h=11 m=22
